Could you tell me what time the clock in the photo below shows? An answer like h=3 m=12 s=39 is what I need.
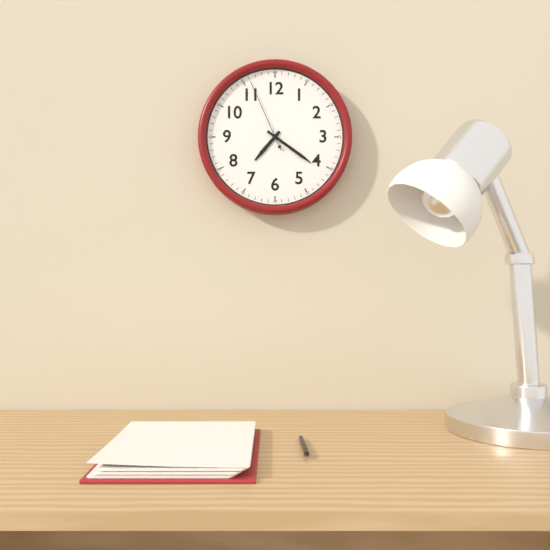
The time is h=7 m=21 s=56
